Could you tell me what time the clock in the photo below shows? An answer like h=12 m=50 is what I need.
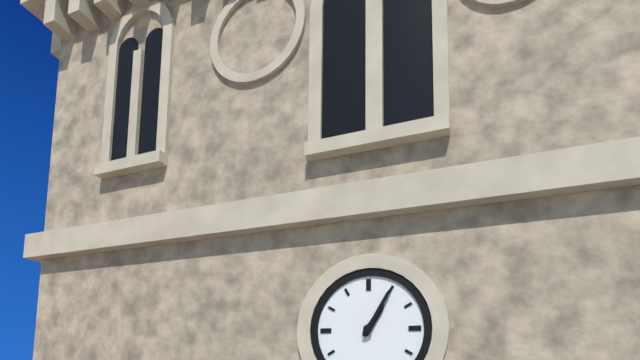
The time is h=1 m=5
